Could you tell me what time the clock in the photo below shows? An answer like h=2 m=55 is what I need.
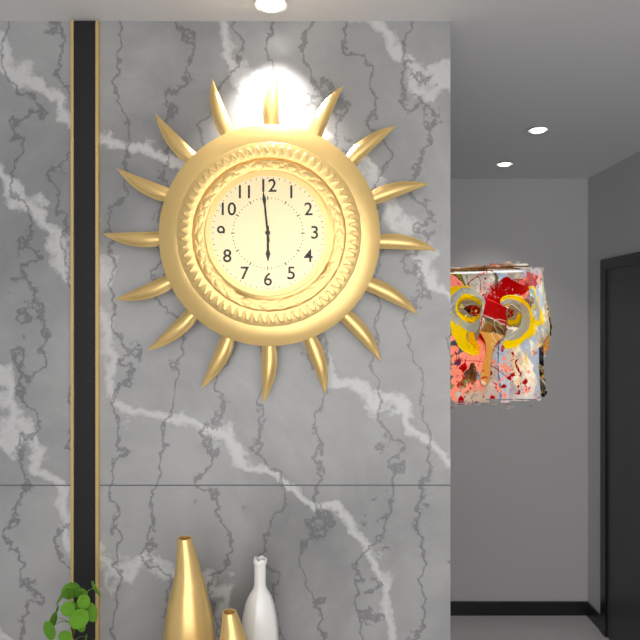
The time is h=5 m=59
